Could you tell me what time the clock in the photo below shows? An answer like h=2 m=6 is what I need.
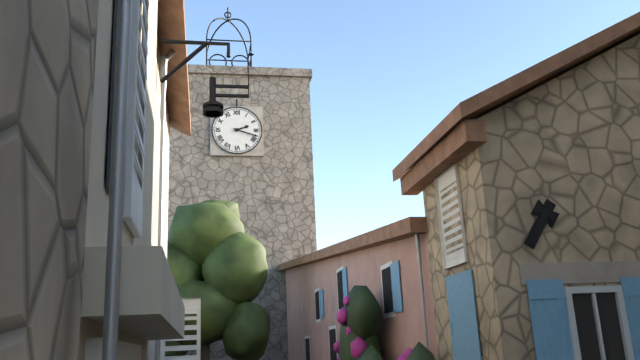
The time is h=2 m=18
